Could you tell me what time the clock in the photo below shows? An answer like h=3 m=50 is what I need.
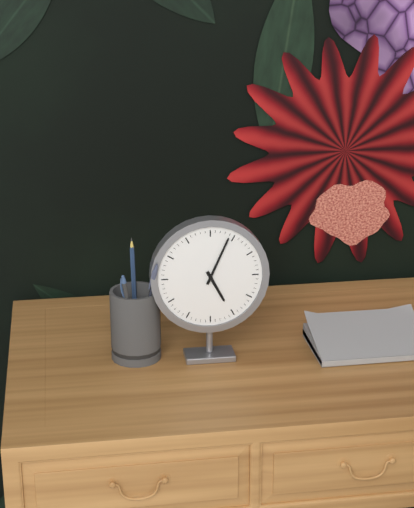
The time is h=5 m=4
